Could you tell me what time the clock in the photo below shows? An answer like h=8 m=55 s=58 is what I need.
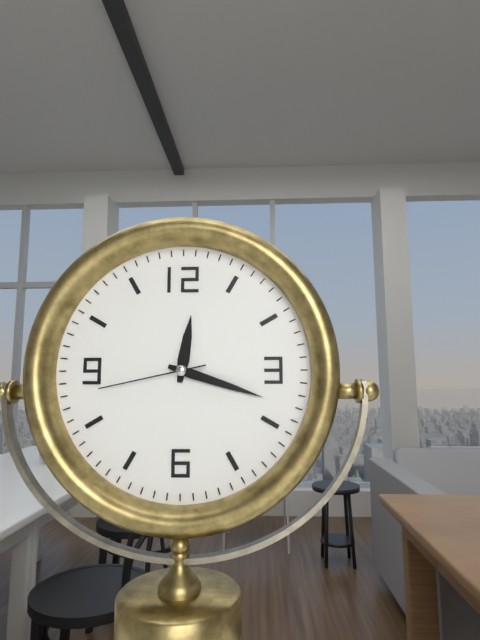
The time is h=12 m=18 s=43
